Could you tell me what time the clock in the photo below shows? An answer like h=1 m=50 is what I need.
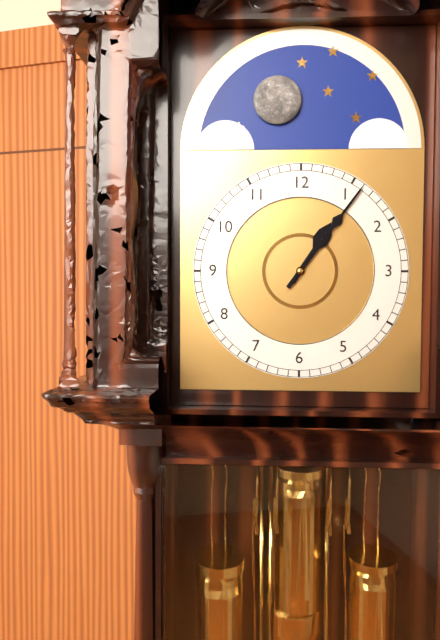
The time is h=1 m=6
